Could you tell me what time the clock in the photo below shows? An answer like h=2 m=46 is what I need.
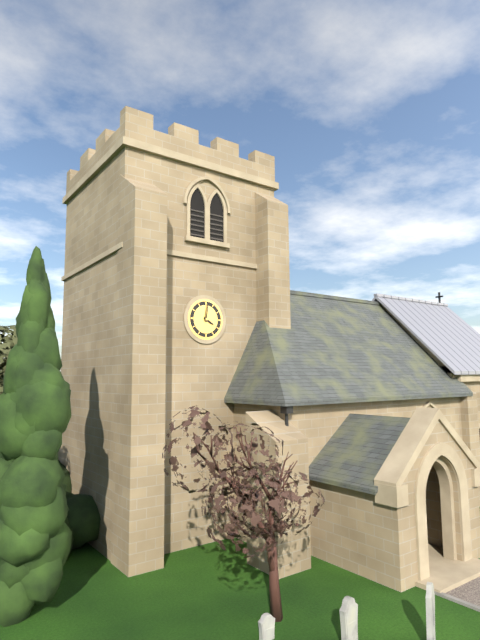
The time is h=4 m=1
